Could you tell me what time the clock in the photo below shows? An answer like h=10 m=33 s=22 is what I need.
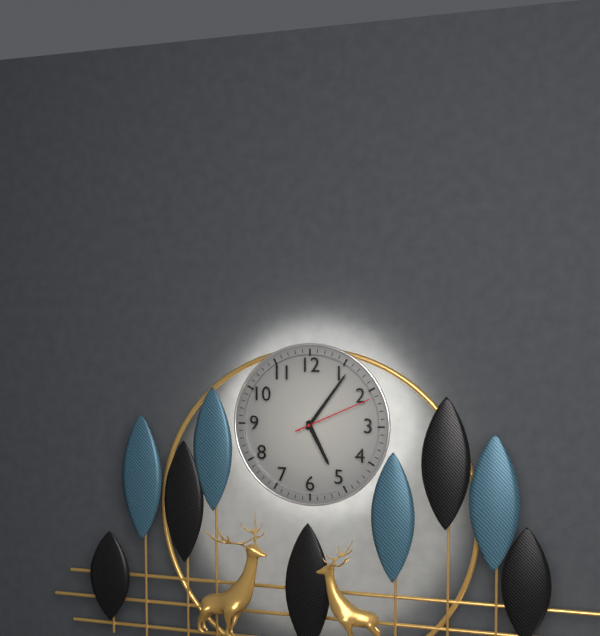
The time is h=5 m=6 s=11
